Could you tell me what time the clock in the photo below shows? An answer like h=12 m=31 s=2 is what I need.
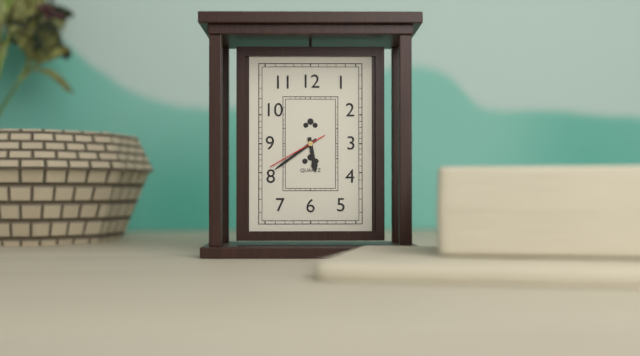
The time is h=5 m=39 s=40
